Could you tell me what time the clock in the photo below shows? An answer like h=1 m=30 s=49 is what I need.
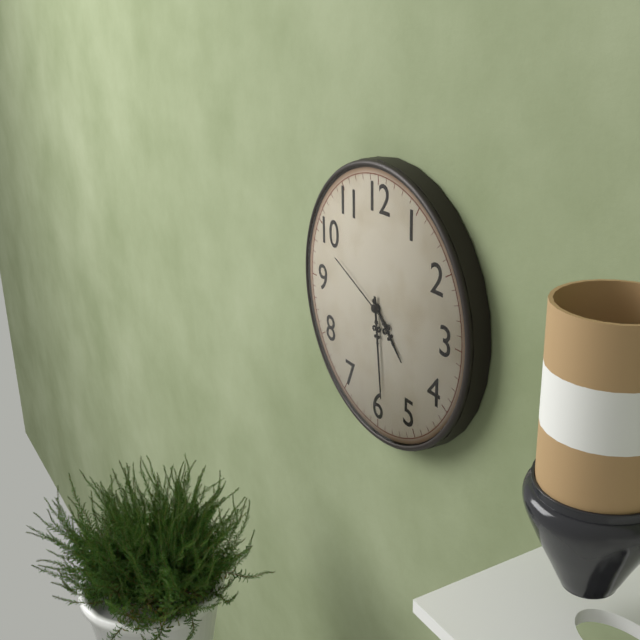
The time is h=4 m=29 s=49
